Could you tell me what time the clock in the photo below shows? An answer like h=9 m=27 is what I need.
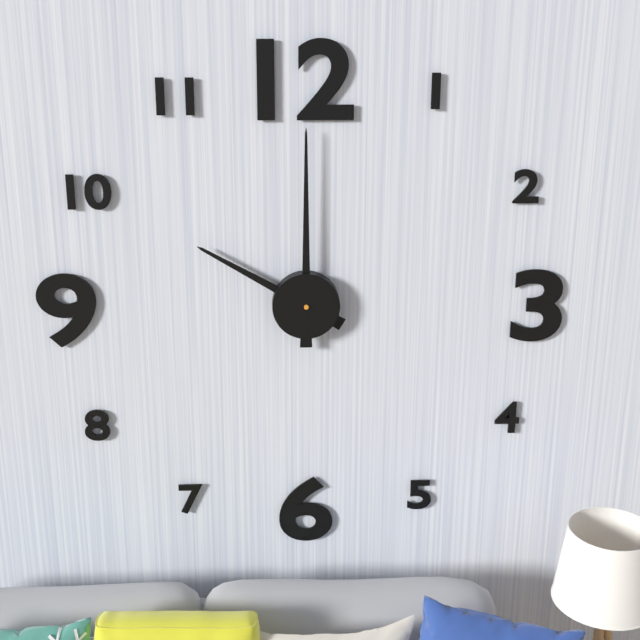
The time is h=10 m=0
